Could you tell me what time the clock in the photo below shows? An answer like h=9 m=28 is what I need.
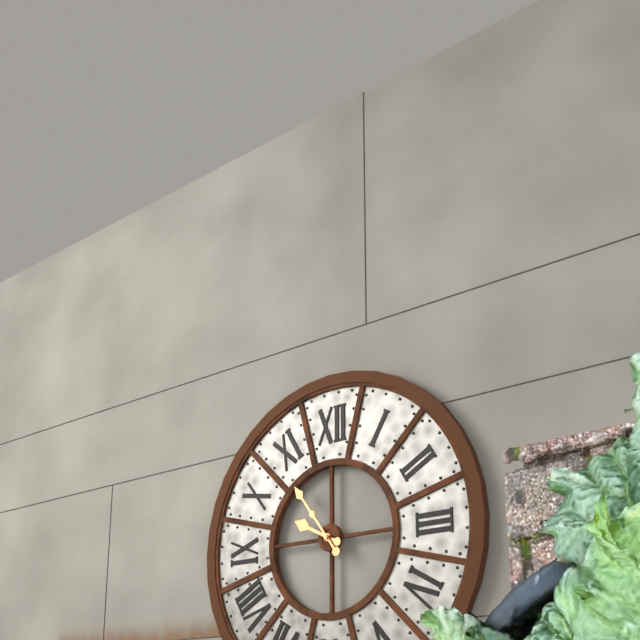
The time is h=9 m=54
